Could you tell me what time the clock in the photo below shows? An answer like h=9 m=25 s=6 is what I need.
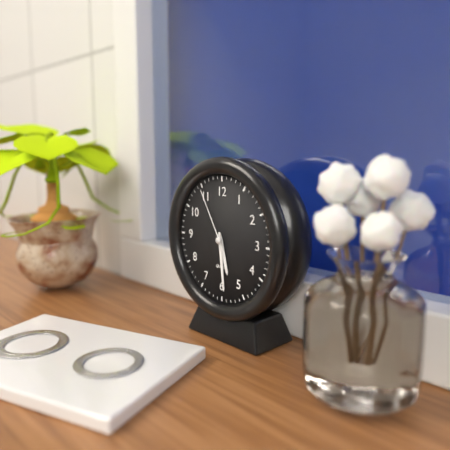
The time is h=5 m=29 s=55
